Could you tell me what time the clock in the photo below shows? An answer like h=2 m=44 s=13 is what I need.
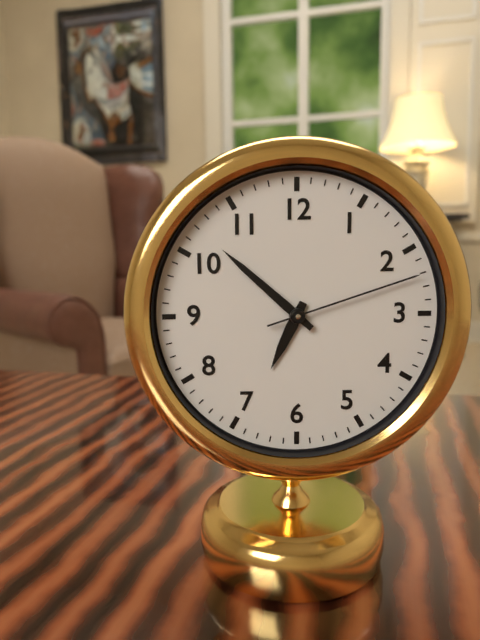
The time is h=6 m=52 s=12
